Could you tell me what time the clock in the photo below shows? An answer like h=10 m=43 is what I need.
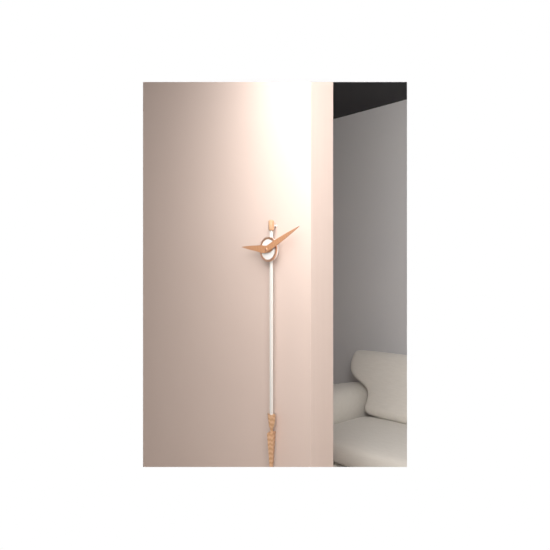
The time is h=9 m=11
